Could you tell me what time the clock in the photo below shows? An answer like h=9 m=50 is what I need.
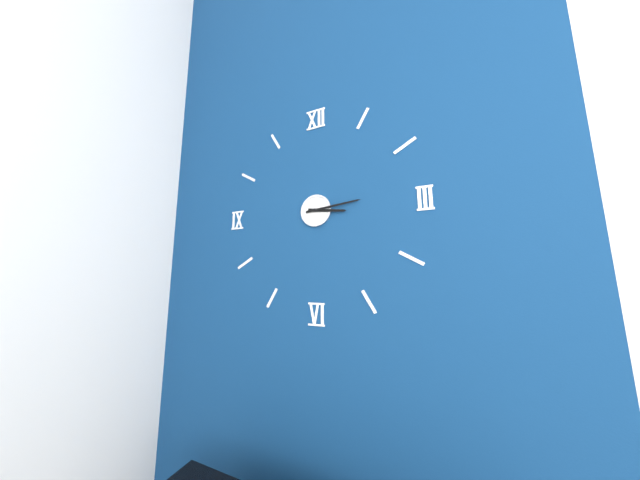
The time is h=3 m=14
